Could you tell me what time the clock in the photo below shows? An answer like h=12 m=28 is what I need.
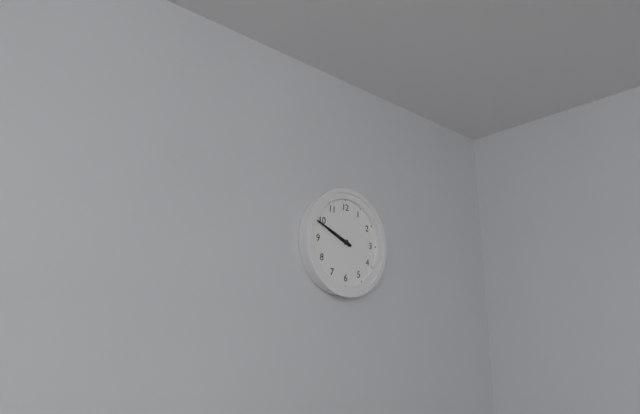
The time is h=9 m=49
